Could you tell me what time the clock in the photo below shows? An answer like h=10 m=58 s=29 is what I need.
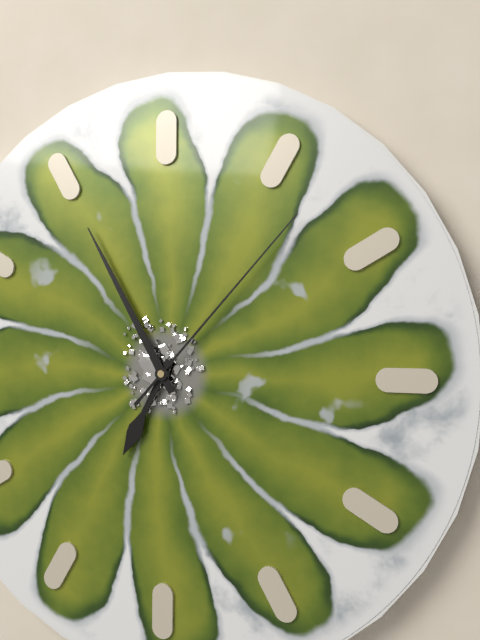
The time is h=6 m=55 s=7
